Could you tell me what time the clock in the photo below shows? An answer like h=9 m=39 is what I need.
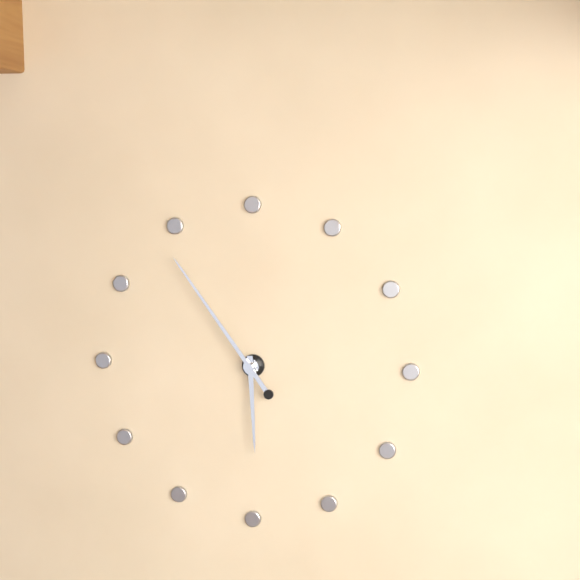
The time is h=5 m=54
